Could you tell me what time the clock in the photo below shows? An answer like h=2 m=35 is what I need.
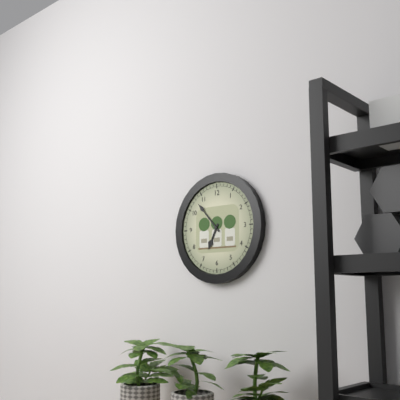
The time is h=6 m=53
